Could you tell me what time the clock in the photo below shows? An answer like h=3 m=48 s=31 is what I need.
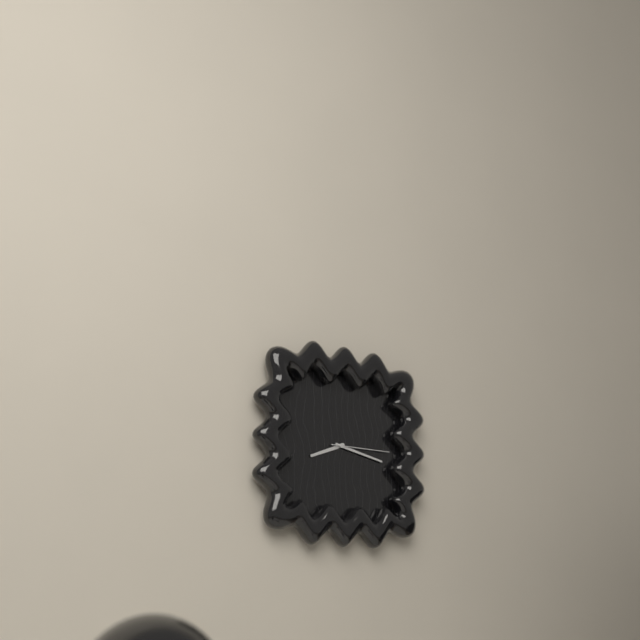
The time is h=8 m=17 s=15
